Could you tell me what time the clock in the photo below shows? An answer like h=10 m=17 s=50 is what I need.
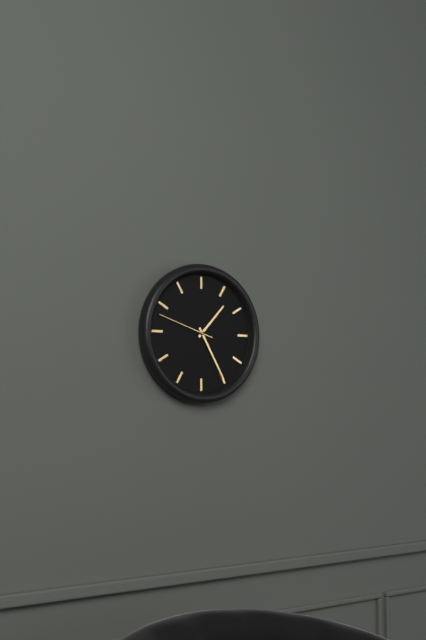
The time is h=1 m=25 s=48
